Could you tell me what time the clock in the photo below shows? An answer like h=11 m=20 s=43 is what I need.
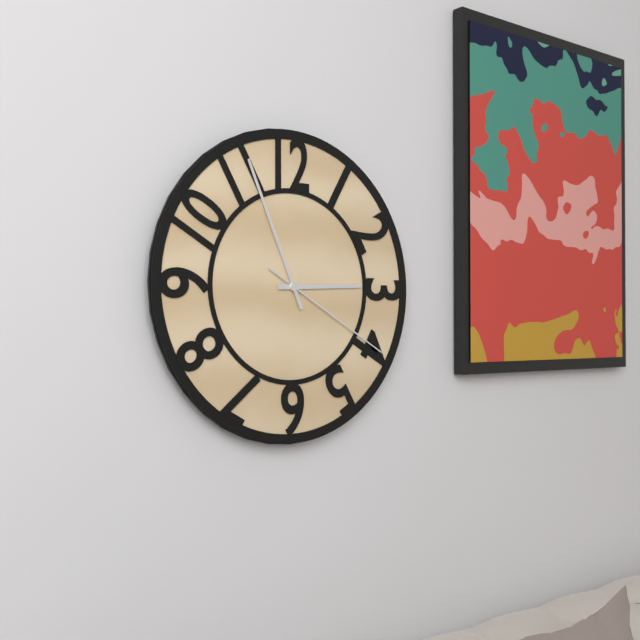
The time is h=2 m=56 s=20
